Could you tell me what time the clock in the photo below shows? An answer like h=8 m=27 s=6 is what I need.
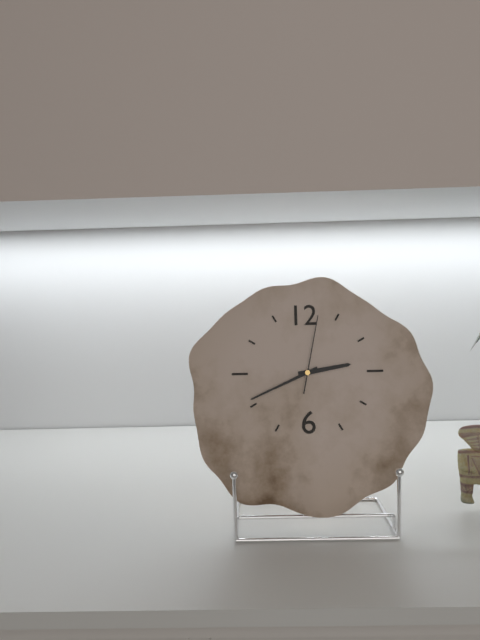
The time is h=2 m=41 s=2
